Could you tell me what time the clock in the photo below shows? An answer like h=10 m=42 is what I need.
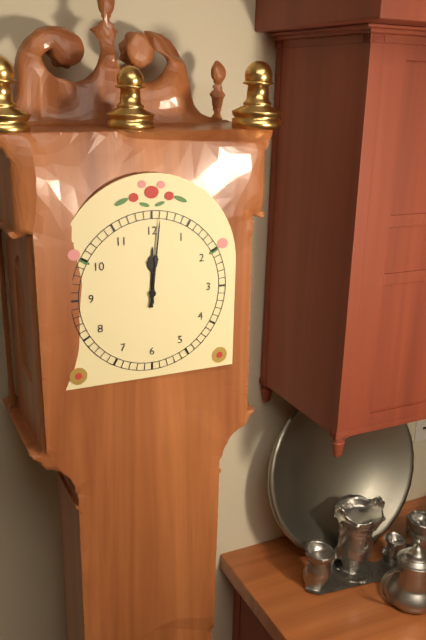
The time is h=12 m=1
